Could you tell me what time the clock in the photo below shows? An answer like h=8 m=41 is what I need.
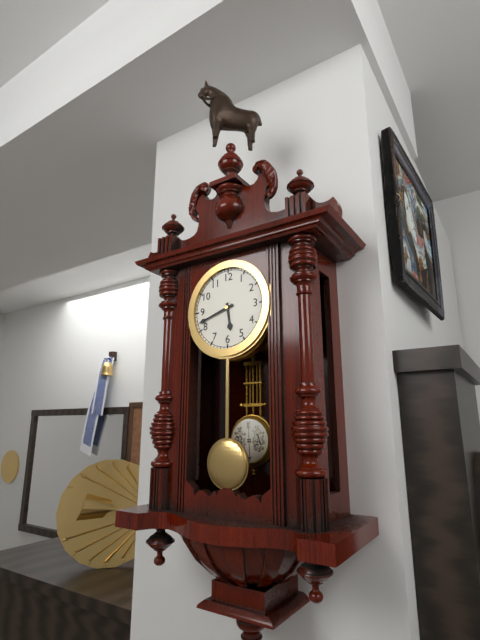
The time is h=5 m=42
